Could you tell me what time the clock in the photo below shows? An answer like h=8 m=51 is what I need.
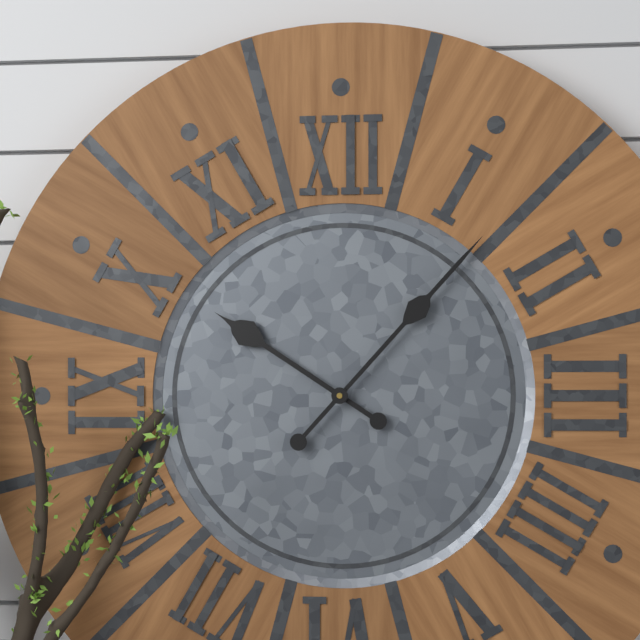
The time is h=10 m=7
